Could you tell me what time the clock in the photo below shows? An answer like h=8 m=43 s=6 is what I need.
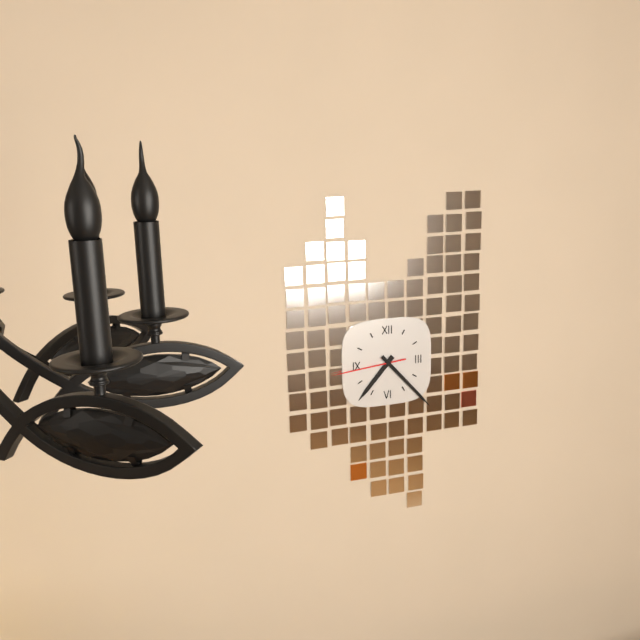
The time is h=7 m=23 s=44
